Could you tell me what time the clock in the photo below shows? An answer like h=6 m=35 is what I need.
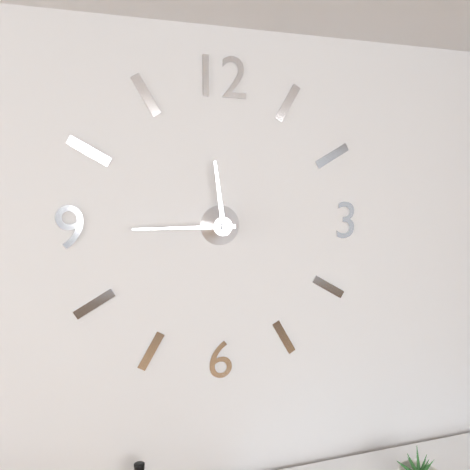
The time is h=11 m=45
